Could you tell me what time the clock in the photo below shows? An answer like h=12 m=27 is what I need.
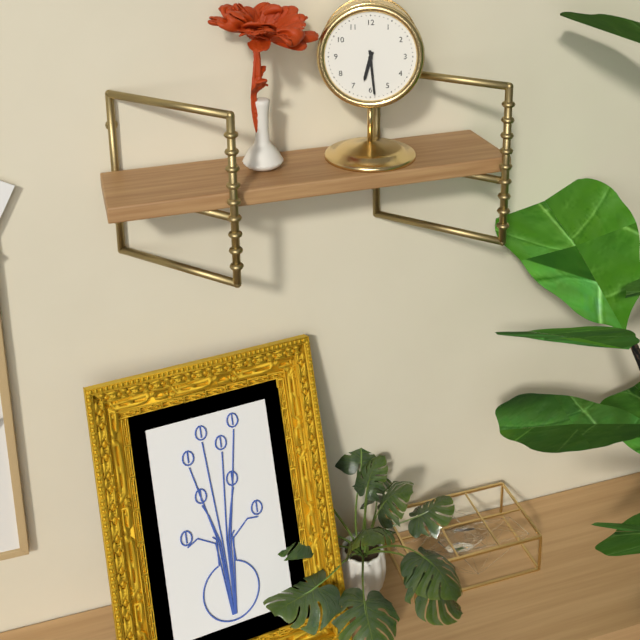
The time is h=6 m=29
